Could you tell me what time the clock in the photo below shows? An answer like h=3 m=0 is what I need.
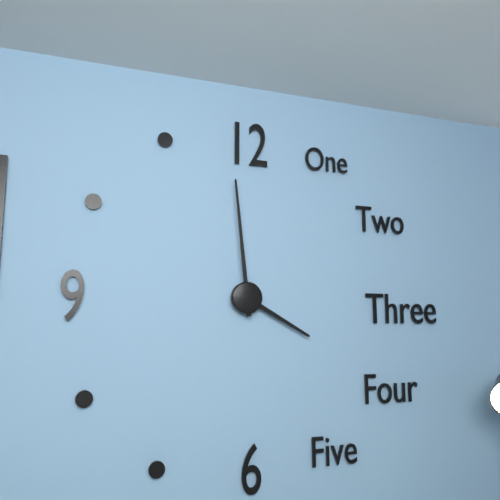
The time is h=3 m=59
